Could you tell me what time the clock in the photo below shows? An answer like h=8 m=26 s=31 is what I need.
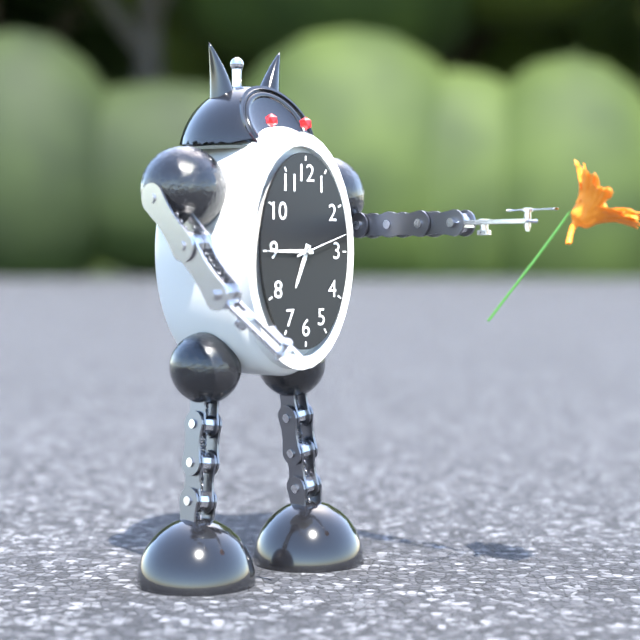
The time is h=6 m=45 s=12
